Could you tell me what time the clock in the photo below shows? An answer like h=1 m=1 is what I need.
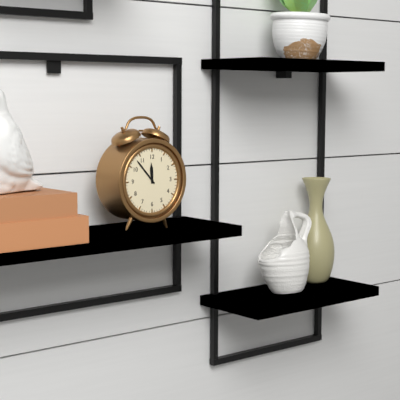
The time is h=11 m=53
